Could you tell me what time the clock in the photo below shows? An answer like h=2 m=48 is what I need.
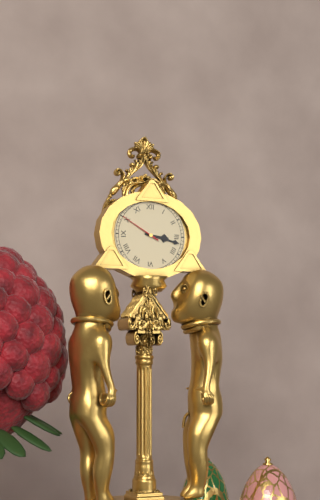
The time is h=3 m=17
